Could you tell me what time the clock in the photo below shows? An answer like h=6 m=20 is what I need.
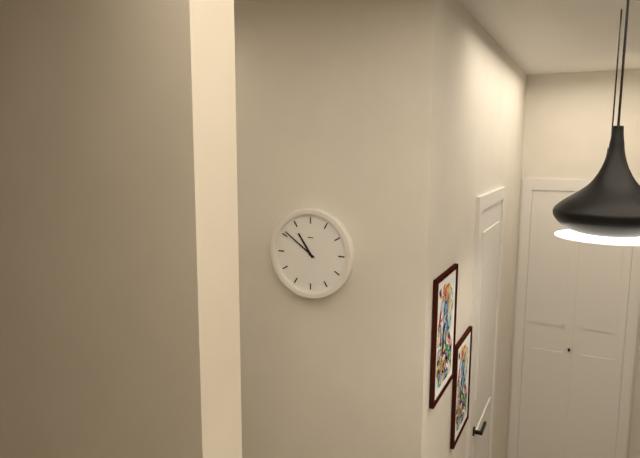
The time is h=10 m=51
